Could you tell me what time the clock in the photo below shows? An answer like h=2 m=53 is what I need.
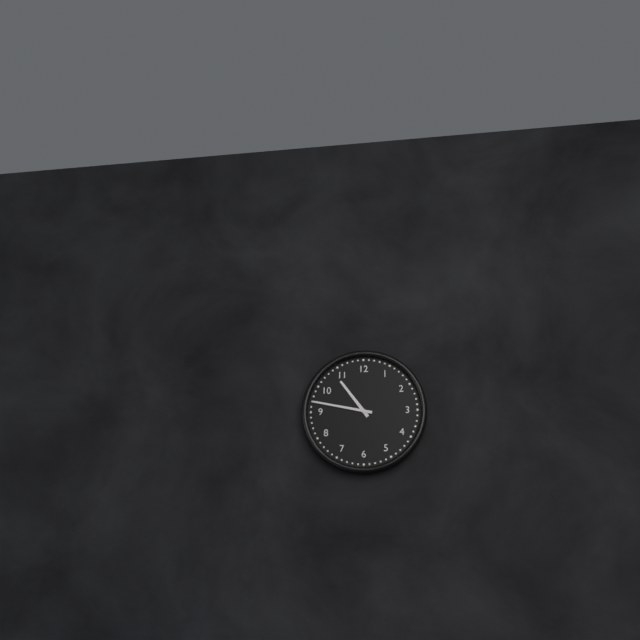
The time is h=10 m=47
